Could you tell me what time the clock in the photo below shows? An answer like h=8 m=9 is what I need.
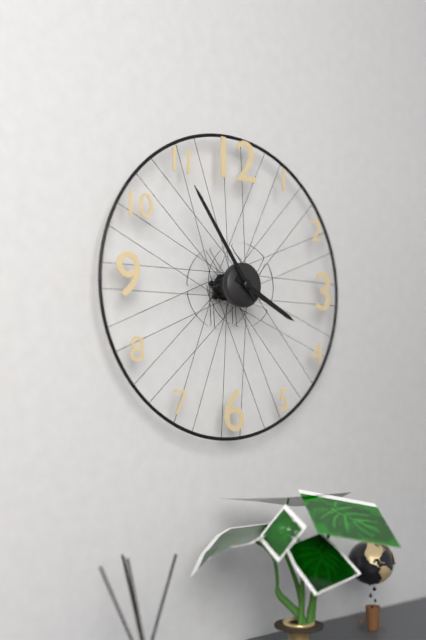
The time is h=3 m=54
